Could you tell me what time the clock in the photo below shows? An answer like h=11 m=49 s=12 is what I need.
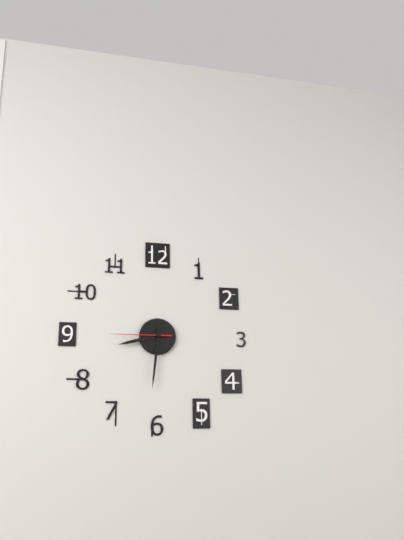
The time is h=8 m=31 s=45
